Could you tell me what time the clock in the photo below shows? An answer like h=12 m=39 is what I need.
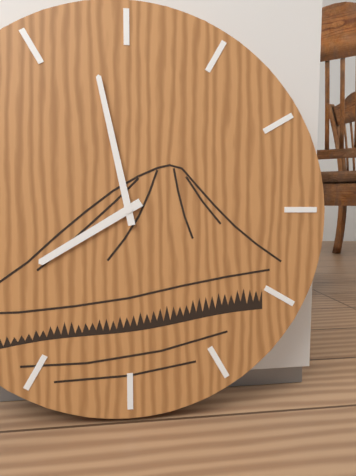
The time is h=7 m=58
